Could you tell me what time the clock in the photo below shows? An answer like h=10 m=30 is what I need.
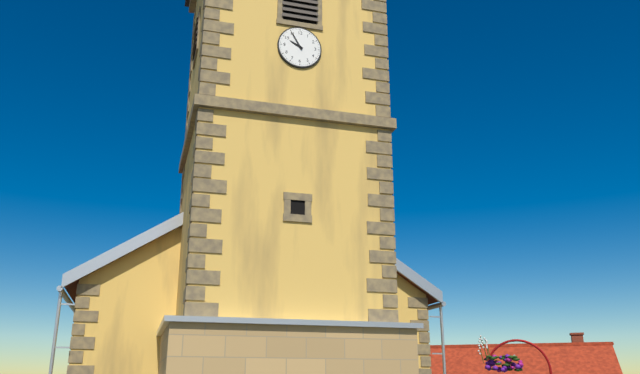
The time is h=9 m=55
